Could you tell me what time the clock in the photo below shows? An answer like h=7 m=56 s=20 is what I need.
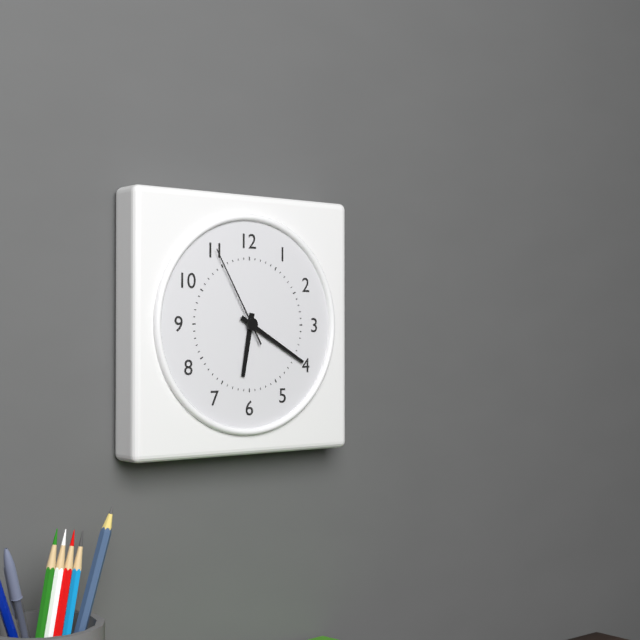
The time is h=6 m=20 s=55
